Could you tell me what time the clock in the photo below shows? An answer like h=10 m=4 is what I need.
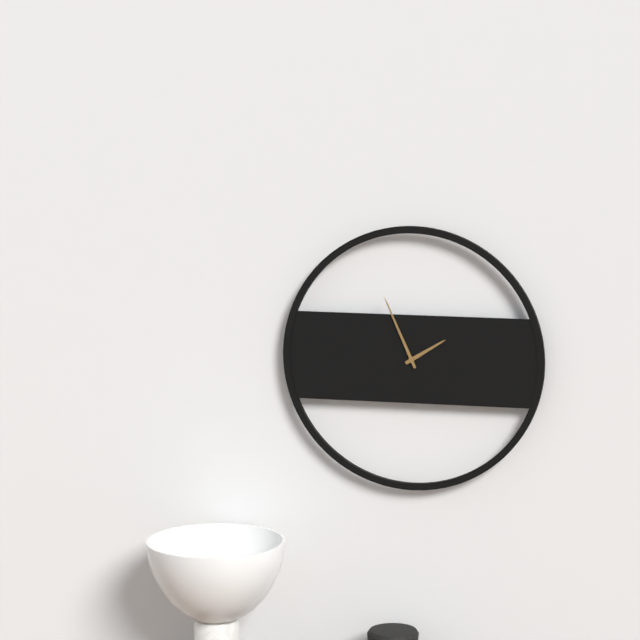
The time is h=1 m=56
